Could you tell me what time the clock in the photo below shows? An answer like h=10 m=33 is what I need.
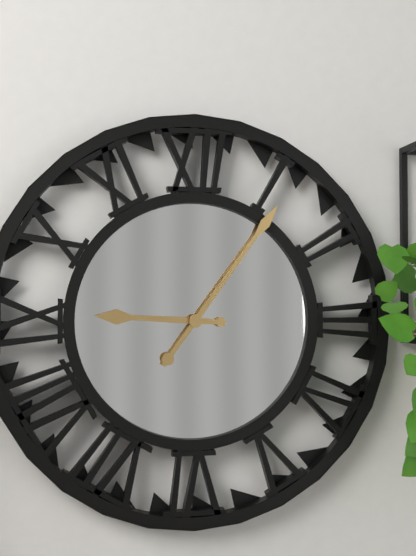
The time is h=9 m=6
